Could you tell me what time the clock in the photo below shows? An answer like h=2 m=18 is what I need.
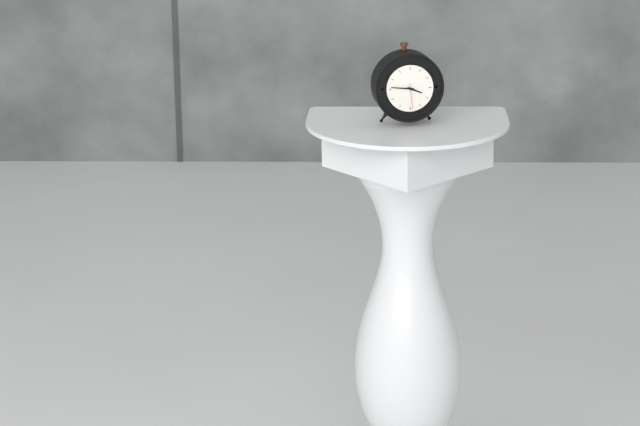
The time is h=3 m=46
